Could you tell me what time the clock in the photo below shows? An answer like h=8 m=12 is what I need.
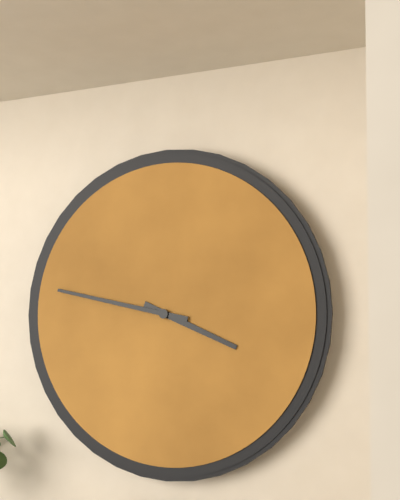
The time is h=3 m=47
